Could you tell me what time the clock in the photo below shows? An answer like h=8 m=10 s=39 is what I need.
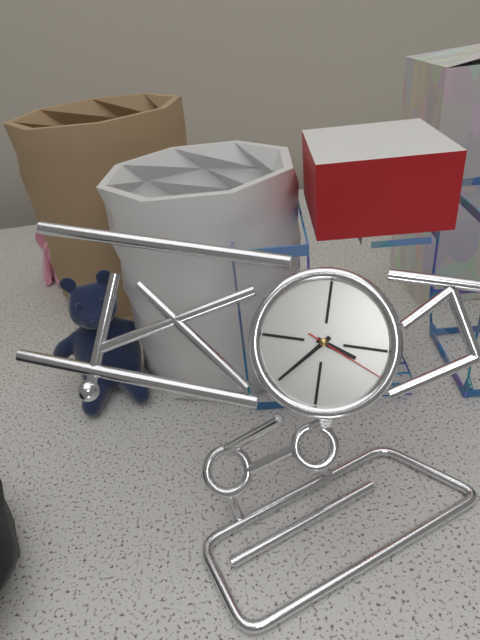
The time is h=3 m=37 s=19
